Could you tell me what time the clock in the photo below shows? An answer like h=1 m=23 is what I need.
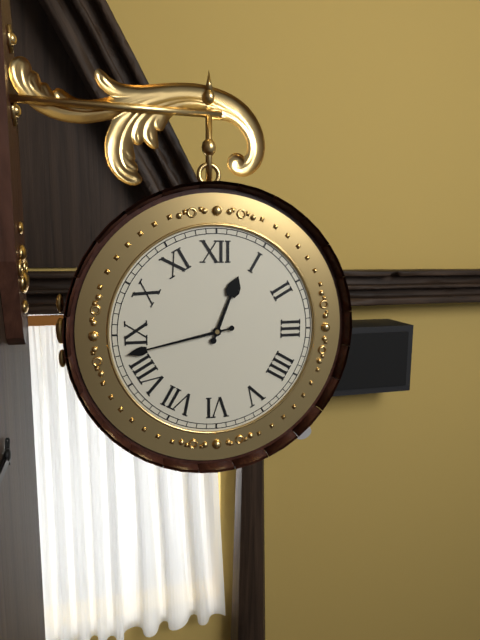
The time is h=12 m=43
